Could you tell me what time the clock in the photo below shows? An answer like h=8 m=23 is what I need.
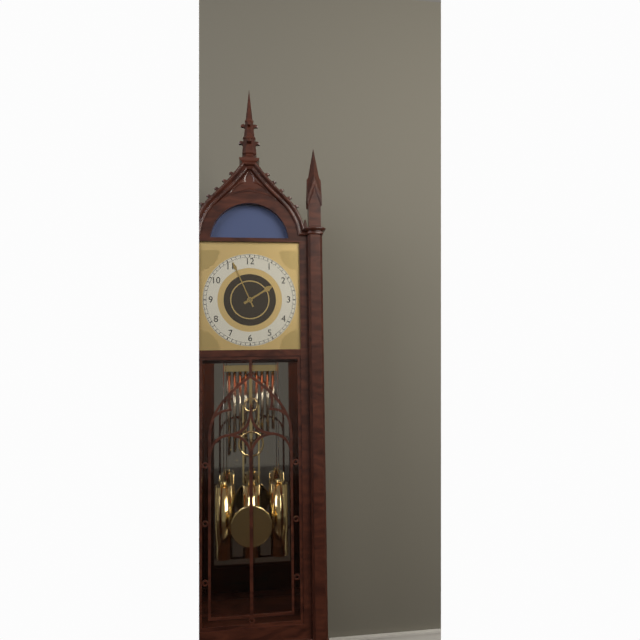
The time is h=1 m=56
